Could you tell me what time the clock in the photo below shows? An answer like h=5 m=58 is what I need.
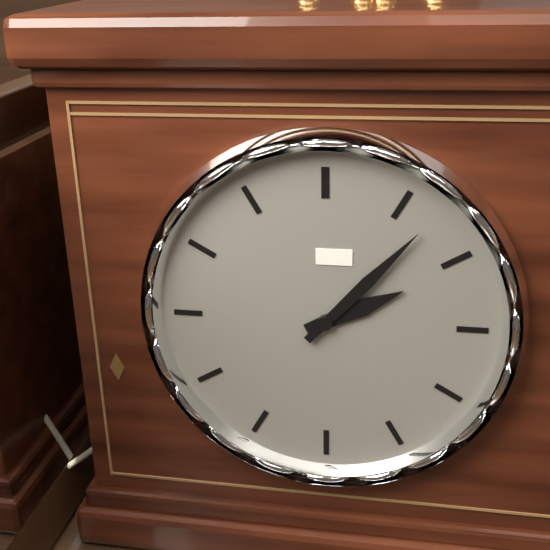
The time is h=2 m=7
